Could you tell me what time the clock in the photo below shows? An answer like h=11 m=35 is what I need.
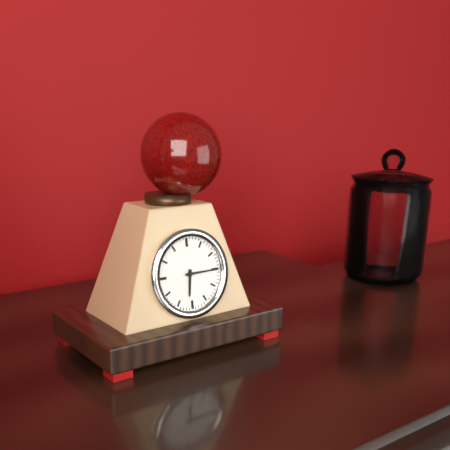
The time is h=6 m=15
